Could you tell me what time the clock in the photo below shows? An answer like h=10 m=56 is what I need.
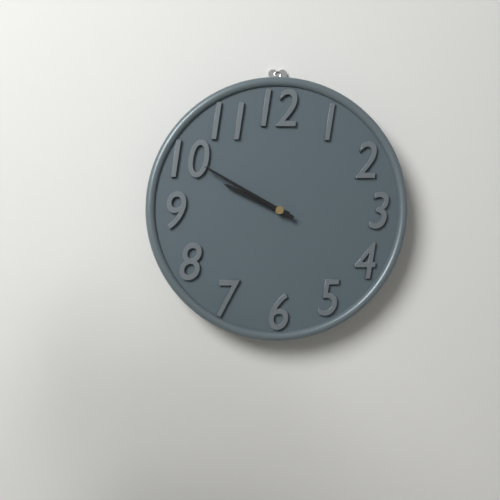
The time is h=9 m=50
